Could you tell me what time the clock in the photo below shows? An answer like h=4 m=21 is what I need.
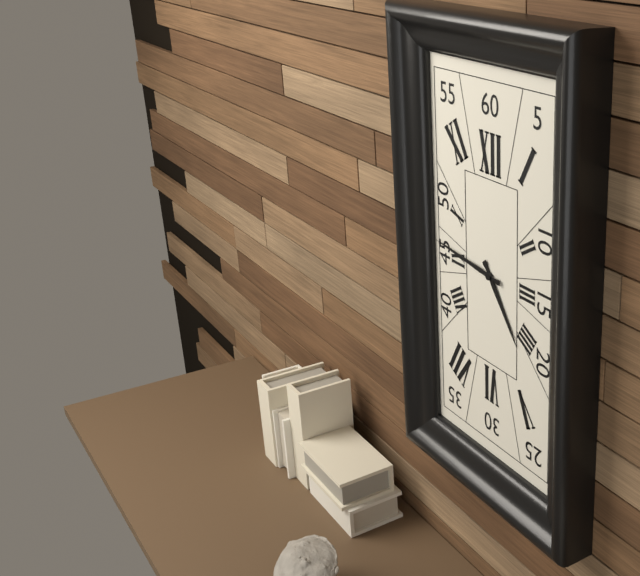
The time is h=4 m=46
